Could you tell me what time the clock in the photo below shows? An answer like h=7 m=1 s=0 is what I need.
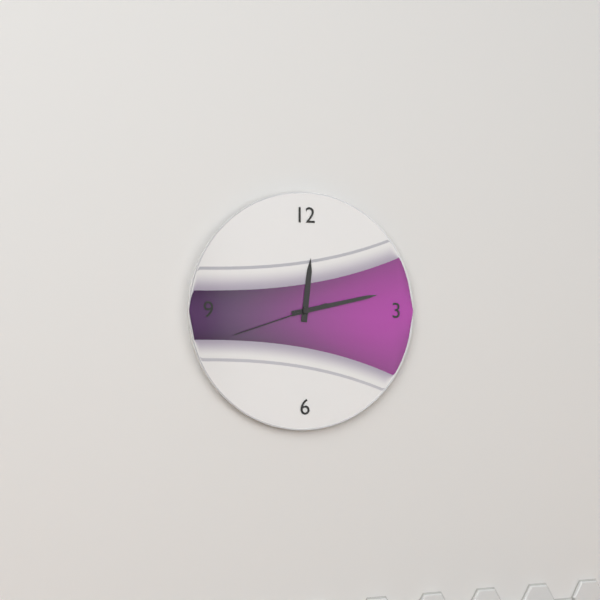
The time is h=12 m=13 s=42
